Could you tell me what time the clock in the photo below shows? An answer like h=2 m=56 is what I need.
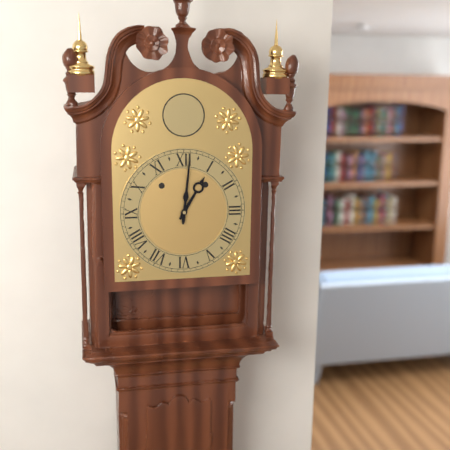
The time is h=1 m=1
